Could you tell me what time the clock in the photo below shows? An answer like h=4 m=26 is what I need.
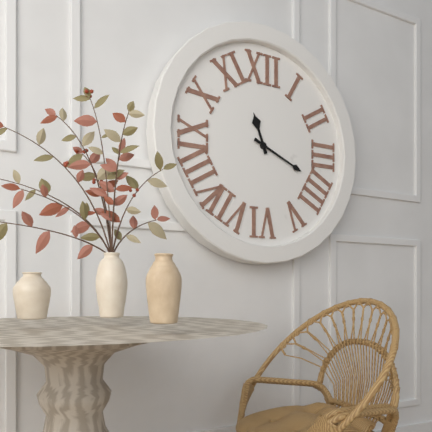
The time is h=11 m=19
